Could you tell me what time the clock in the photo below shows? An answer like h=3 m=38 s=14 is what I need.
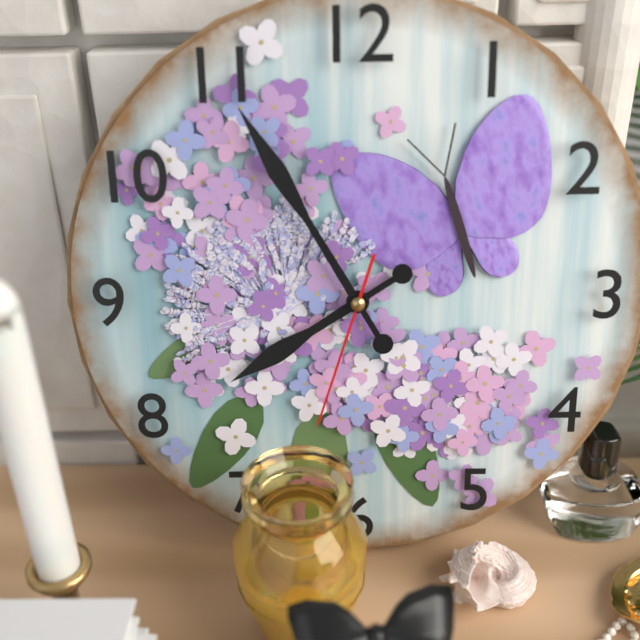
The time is h=7 m=55 s=33
